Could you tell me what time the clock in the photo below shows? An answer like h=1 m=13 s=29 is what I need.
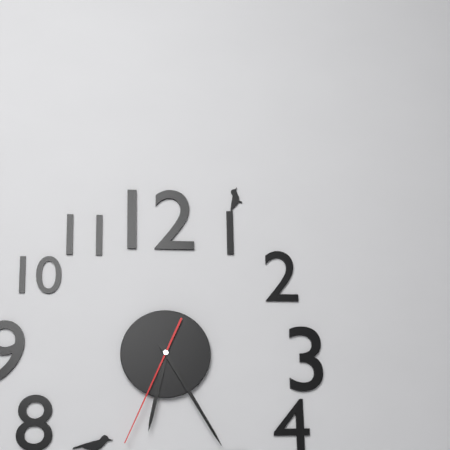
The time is h=6 m=25 s=34
